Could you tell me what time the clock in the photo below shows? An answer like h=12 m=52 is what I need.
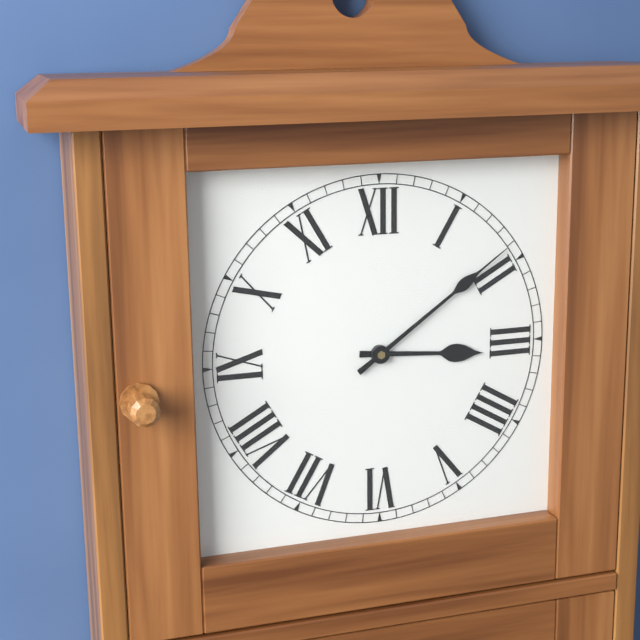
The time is h=3 m=9
